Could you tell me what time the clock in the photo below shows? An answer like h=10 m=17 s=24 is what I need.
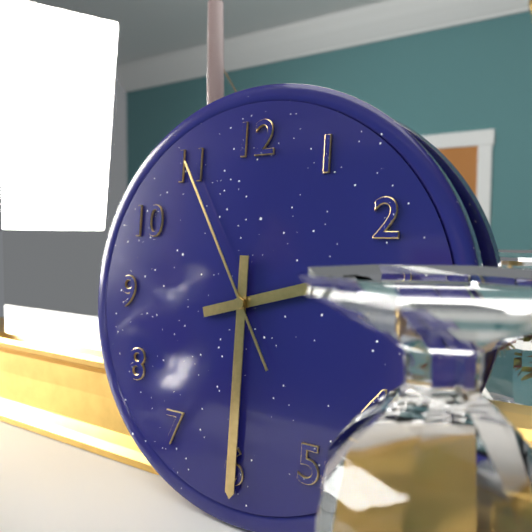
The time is h=2 m=30 s=55
